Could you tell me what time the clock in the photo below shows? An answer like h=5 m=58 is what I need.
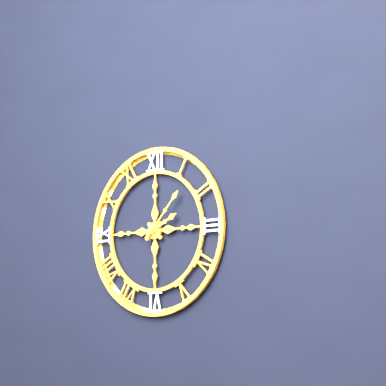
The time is h=2 m=7
